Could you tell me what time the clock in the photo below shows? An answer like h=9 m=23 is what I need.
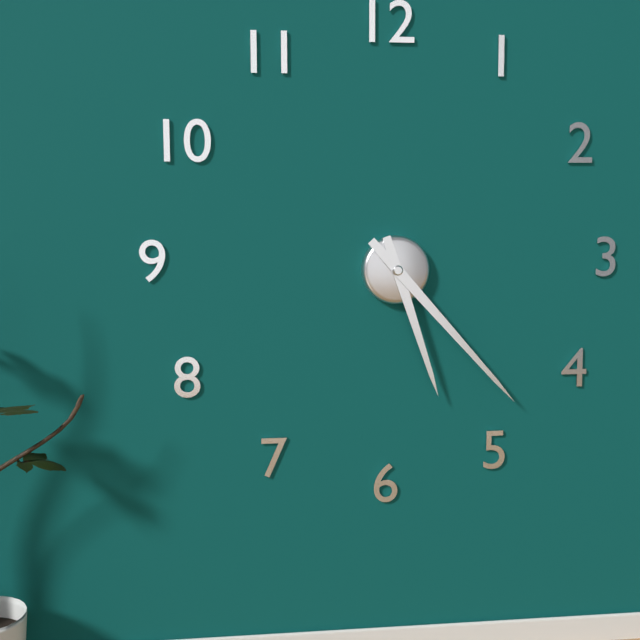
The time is h=5 m=23
